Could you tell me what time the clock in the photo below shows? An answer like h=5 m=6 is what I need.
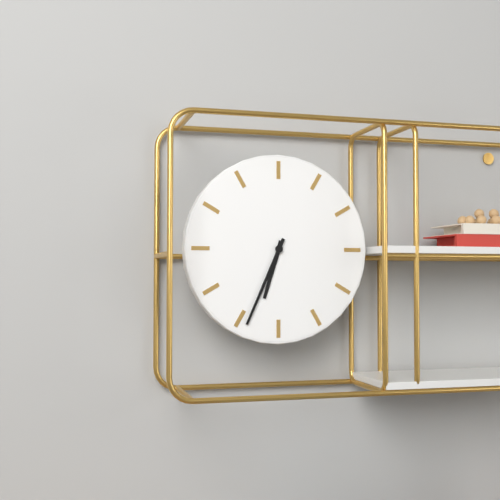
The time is h=6 m=34
